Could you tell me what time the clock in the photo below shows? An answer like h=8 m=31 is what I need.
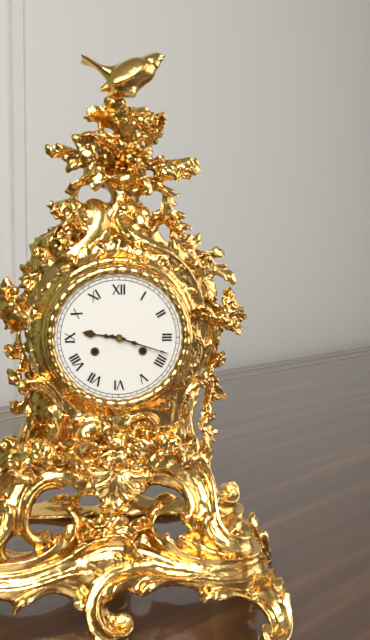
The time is h=9 m=18
